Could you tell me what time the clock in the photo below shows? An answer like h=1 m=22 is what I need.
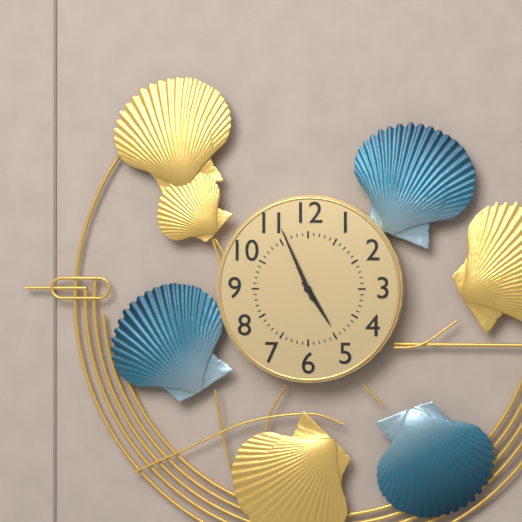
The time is h=4 m=56
